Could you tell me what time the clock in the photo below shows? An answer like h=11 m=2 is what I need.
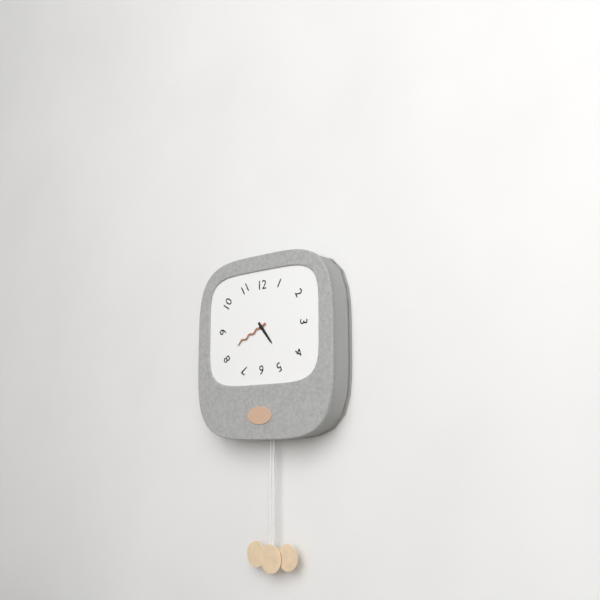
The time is h=4 m=41
